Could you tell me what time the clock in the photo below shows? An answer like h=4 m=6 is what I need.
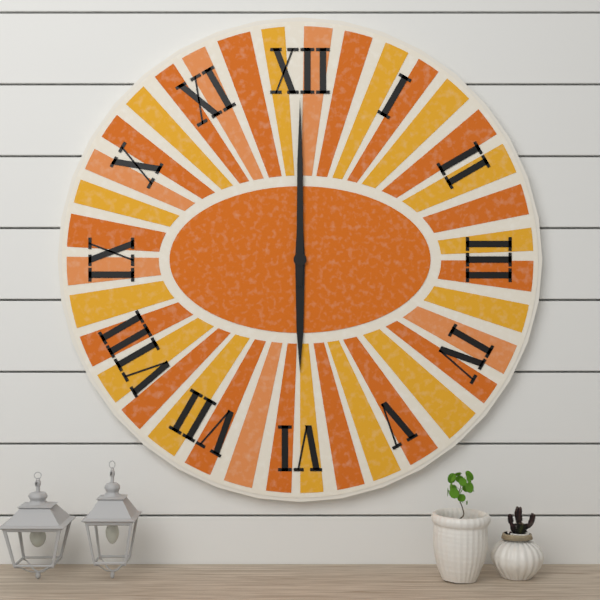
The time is h=6 m=0
